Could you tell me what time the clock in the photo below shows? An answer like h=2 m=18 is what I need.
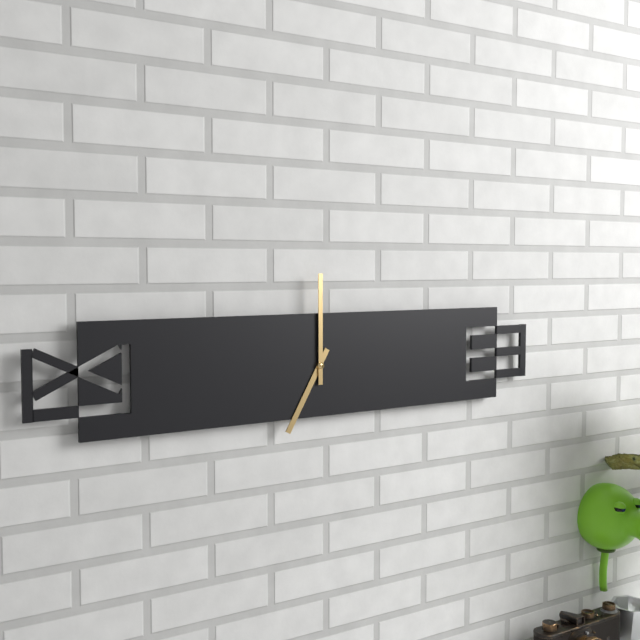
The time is h=7 m=0
